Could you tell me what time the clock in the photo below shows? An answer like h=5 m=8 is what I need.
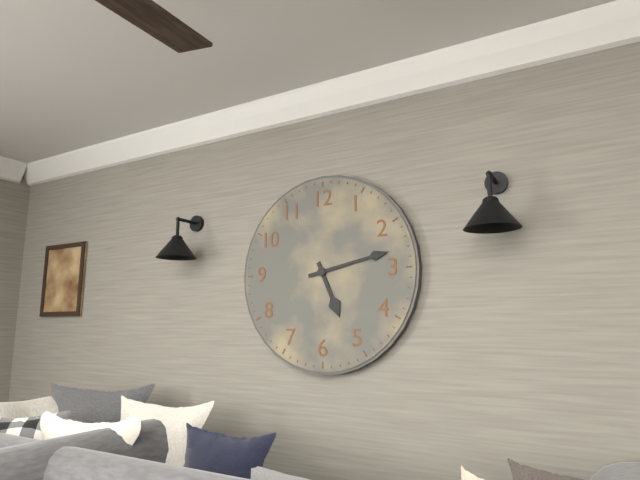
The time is h=5 m=13
